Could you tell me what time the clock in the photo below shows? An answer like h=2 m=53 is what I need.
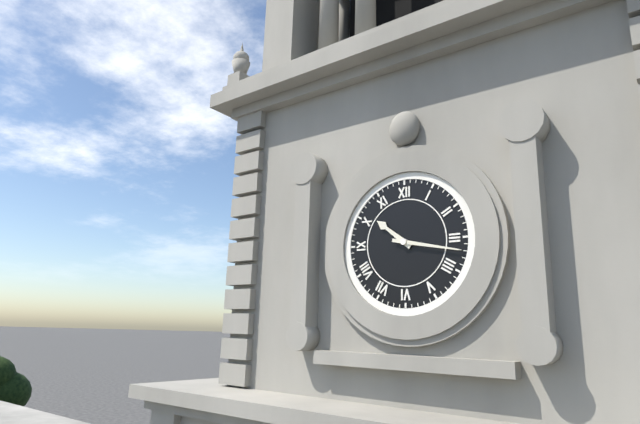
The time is h=10 m=17
